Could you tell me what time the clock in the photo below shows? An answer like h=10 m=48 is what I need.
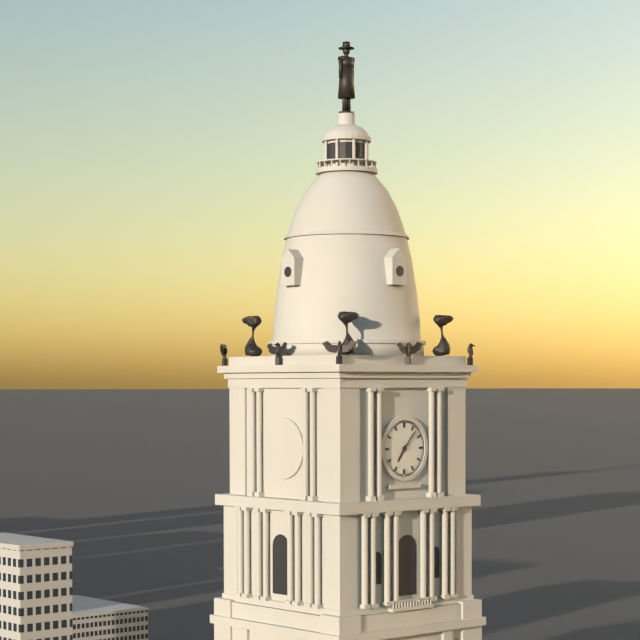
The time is h=7 m=7
